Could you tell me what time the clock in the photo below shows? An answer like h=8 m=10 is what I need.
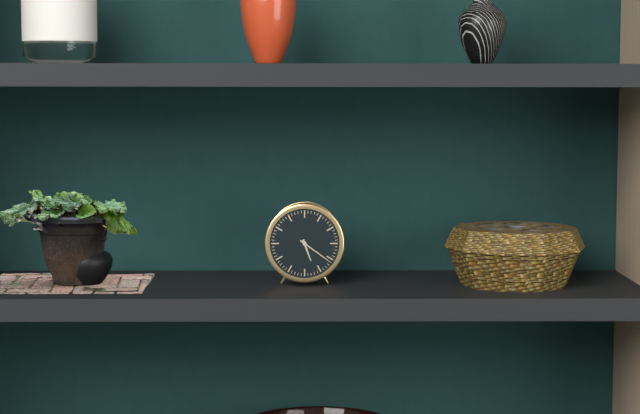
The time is h=5 m=21
